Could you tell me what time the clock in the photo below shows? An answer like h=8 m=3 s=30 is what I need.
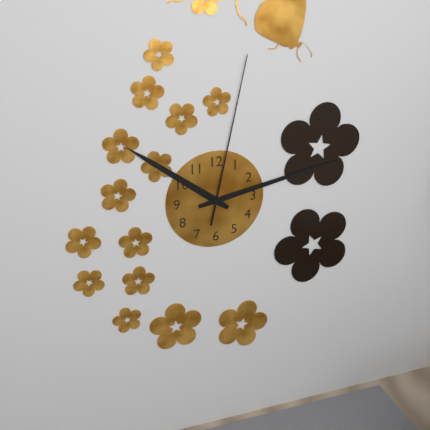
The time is h=10 m=13 s=2
